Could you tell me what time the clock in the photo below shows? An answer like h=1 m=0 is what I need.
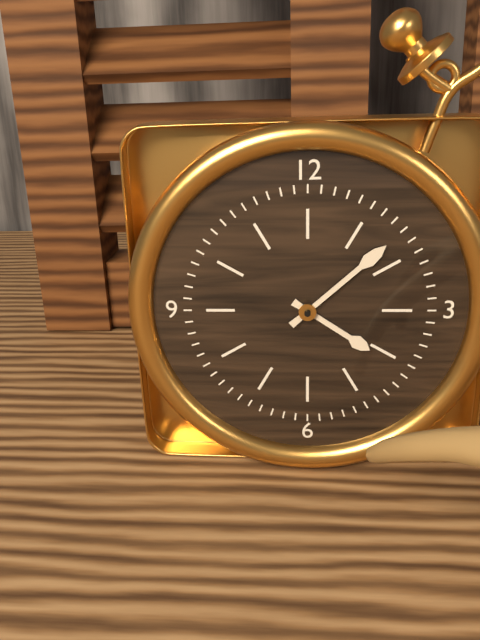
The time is h=4 m=8
